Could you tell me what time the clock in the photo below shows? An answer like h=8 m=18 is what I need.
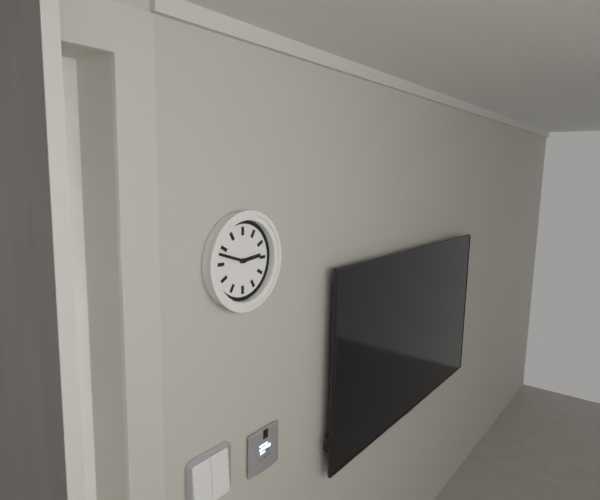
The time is h=2 m=48
